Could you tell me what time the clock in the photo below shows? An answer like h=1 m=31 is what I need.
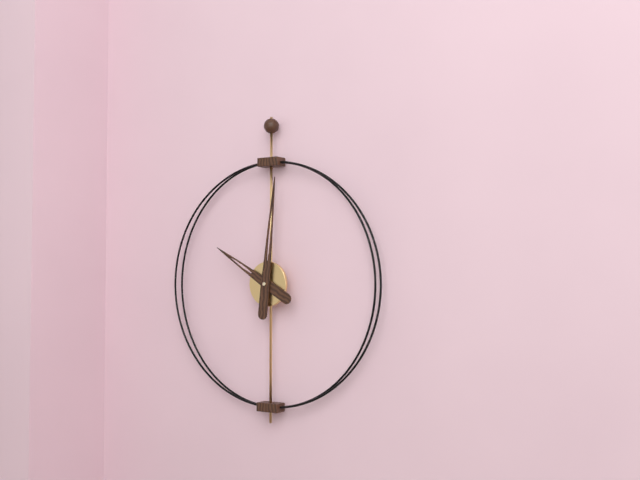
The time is h=10 m=1
